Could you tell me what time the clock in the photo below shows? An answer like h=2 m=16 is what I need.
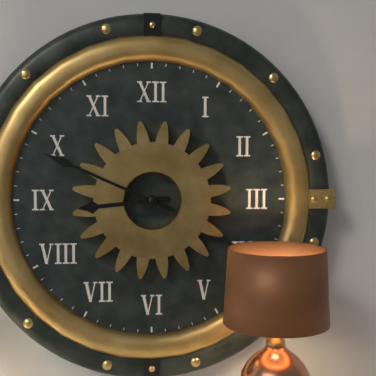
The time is h=8 m=49
